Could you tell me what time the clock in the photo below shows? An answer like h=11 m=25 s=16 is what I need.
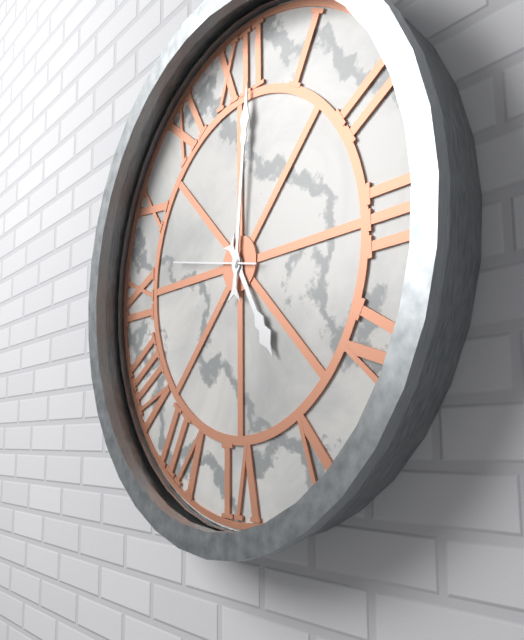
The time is h=5 m=1 s=47
